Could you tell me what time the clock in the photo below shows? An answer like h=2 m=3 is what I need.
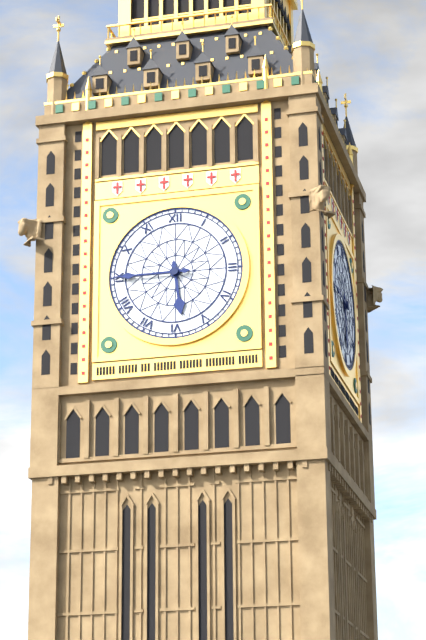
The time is h=5 m=45
